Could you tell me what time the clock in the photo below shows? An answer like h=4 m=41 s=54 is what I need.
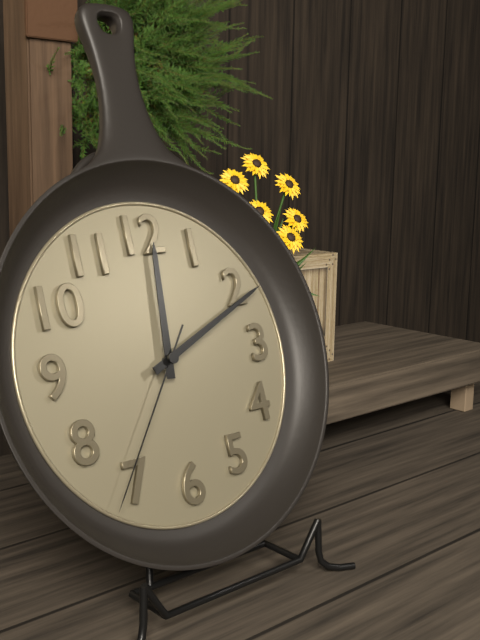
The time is h=12 m=11 s=36
